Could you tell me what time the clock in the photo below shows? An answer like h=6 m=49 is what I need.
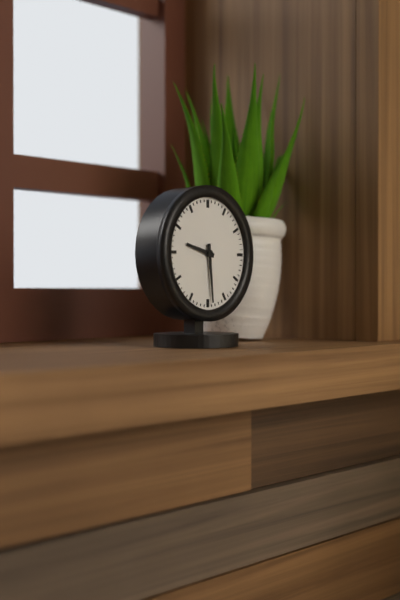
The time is h=9 m=29
